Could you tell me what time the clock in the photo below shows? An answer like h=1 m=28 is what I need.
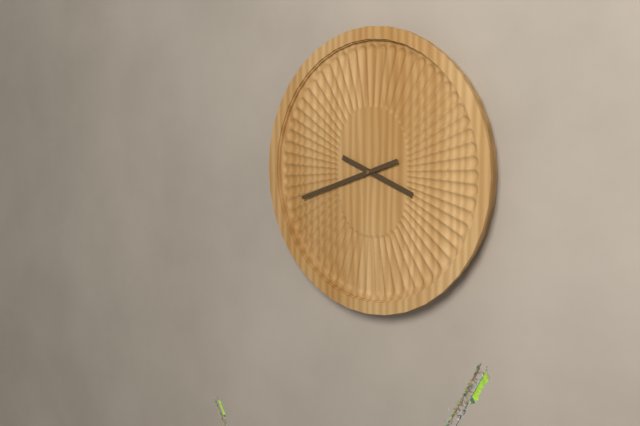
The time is h=3 m=42
